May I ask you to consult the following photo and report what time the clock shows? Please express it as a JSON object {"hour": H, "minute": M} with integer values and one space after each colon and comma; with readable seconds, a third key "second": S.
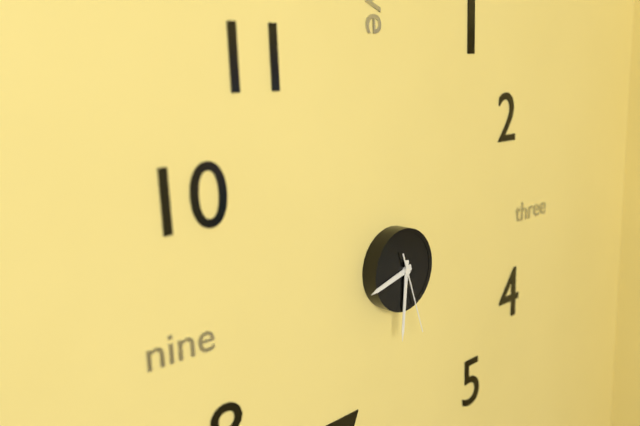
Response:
{"hour": 8, "minute": 31, "second": 27}
